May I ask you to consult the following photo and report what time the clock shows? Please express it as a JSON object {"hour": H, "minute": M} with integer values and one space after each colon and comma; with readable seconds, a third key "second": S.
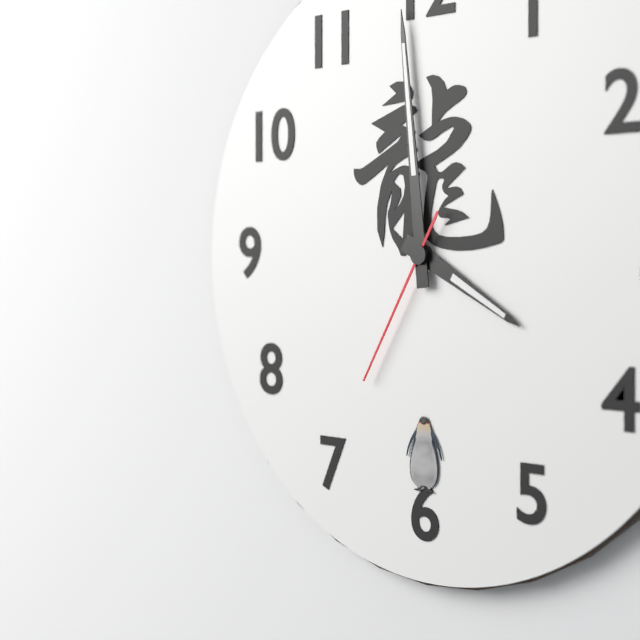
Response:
{"hour": 3, "minute": 59, "second": 35}
